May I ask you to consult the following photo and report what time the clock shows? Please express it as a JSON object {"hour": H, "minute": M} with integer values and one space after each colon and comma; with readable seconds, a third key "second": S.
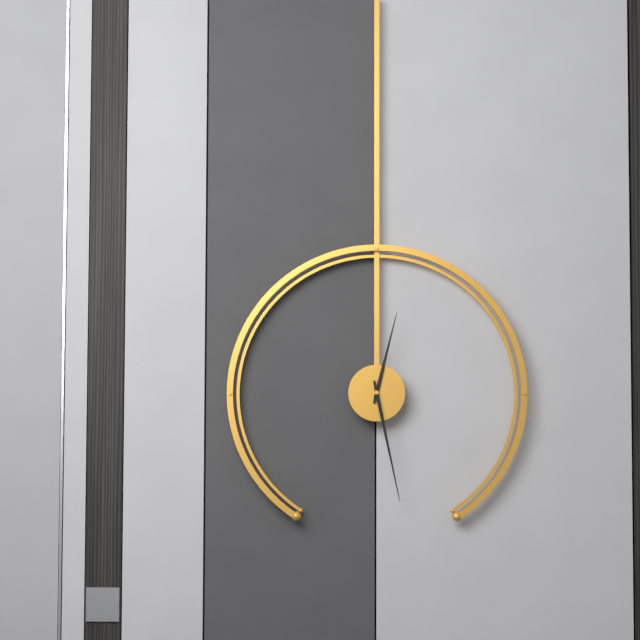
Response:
{"hour": 12, "minute": 28}
